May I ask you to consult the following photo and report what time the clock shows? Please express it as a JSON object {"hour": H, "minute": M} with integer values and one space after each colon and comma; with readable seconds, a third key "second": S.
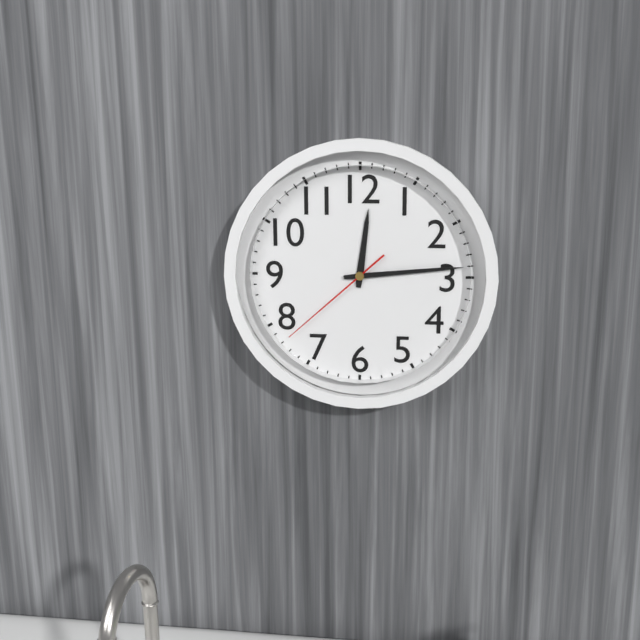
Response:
{"hour": 12, "minute": 14, "second": 38}
